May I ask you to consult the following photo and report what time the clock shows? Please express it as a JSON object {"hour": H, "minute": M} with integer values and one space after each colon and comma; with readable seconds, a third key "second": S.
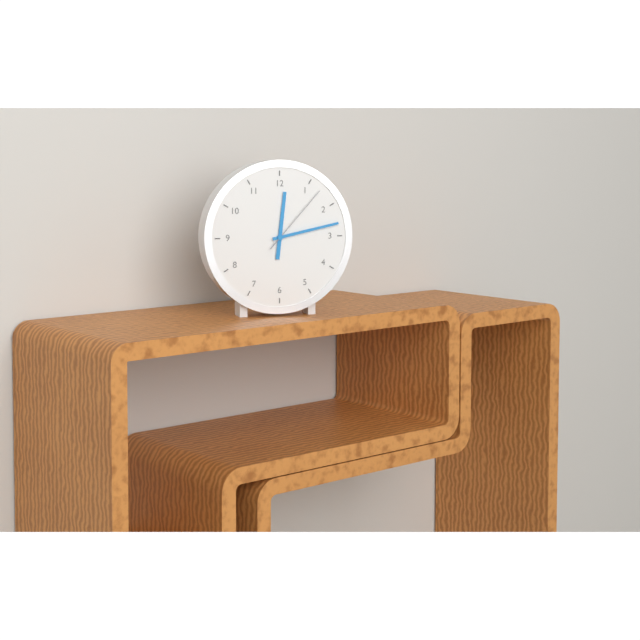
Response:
{"hour": 12, "minute": 13, "second": 7}
